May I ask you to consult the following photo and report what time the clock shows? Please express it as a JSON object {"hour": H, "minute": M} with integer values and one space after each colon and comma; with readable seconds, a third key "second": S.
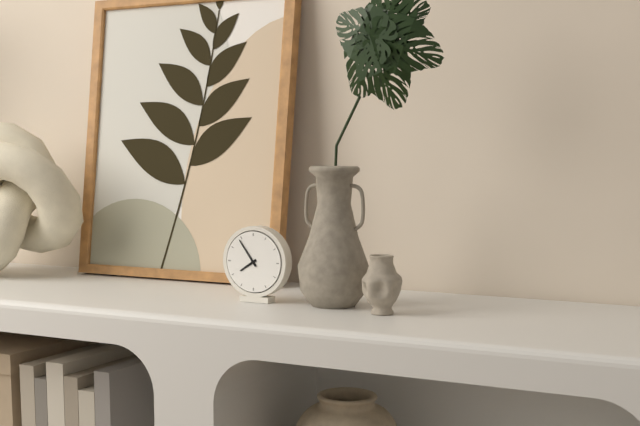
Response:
{"hour": 7, "minute": 54}
